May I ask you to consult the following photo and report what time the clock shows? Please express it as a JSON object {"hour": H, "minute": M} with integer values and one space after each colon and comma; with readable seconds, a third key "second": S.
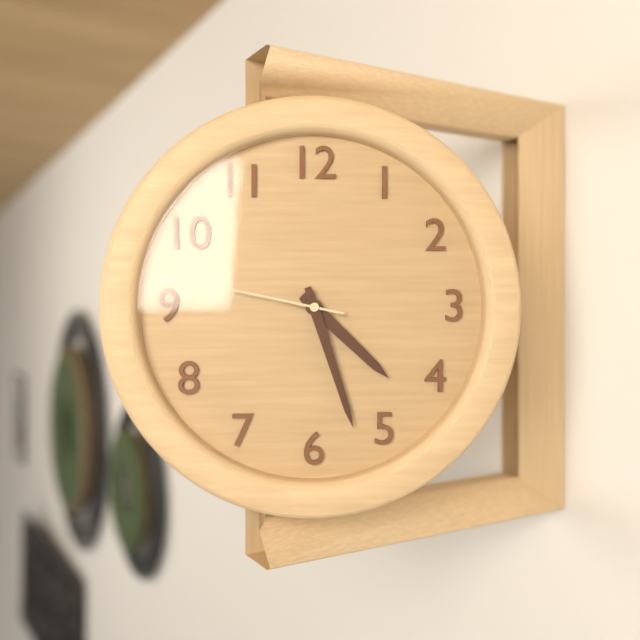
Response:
{"hour": 4, "minute": 27, "second": 47}
